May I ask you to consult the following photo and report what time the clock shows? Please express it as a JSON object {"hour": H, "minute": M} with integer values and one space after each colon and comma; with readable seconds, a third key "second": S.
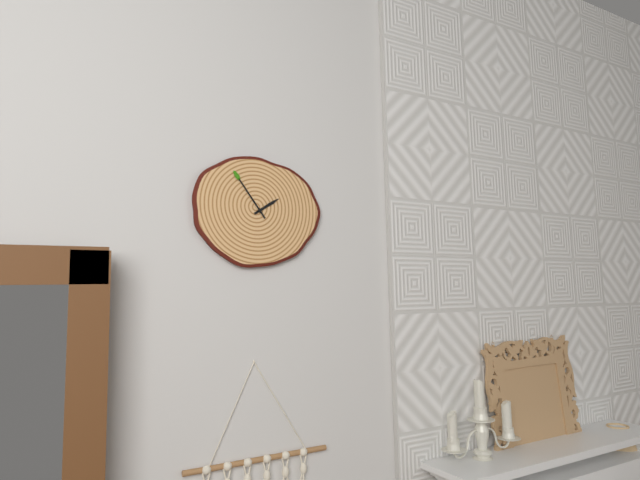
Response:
{"hour": 1, "minute": 54}
